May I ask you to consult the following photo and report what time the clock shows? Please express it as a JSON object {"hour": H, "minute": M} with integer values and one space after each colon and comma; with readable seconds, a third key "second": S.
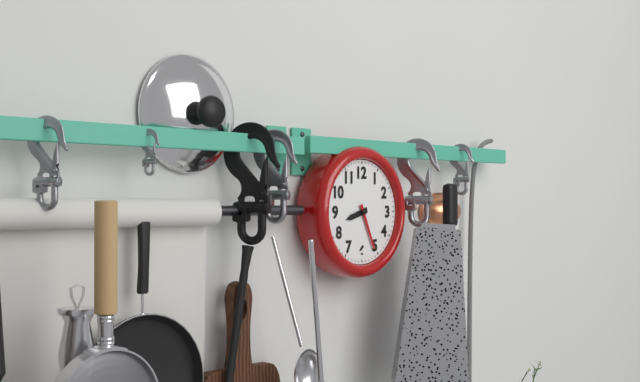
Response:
{"hour": 8, "minute": 26}
